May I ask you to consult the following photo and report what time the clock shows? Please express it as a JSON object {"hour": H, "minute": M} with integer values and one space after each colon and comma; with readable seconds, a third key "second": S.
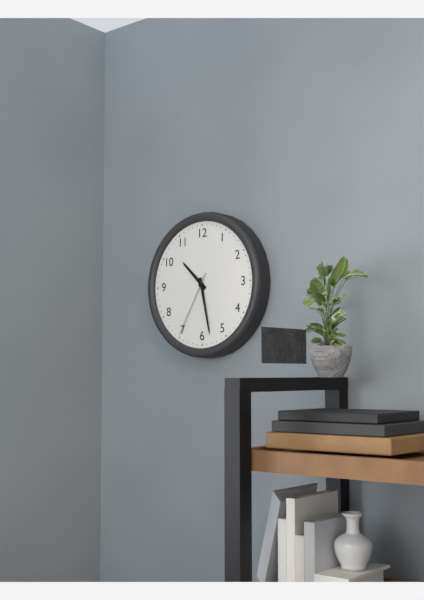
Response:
{"hour": 10, "minute": 28, "second": 35}
